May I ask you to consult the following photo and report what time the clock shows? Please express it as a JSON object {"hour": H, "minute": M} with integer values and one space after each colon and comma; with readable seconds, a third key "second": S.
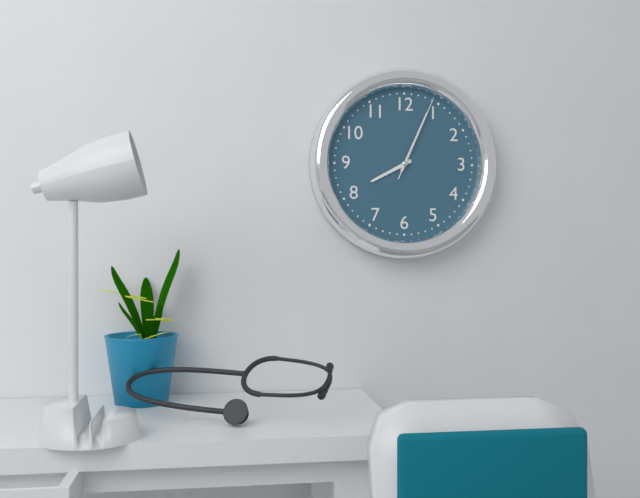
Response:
{"hour": 8, "minute": 4, "second": 4}
